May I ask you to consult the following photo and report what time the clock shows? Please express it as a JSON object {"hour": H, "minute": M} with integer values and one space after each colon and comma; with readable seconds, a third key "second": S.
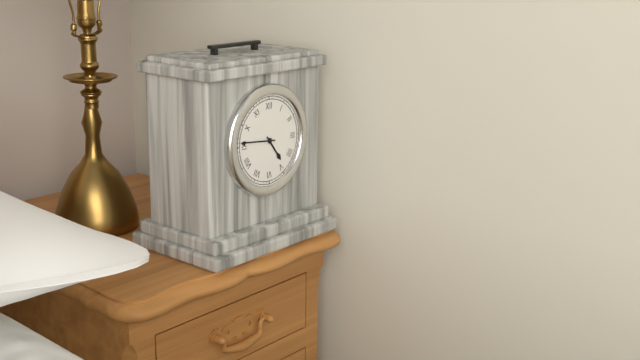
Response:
{"hour": 4, "minute": 46}
